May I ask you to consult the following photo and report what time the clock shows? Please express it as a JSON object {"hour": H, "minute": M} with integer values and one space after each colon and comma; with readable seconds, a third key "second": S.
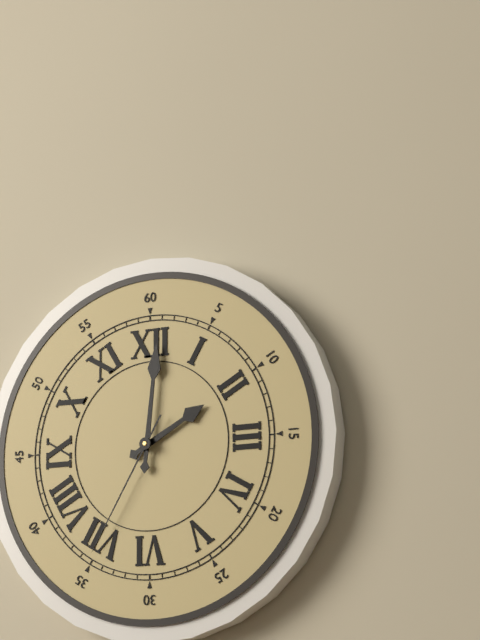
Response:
{"hour": 2, "minute": 1, "second": 35}
